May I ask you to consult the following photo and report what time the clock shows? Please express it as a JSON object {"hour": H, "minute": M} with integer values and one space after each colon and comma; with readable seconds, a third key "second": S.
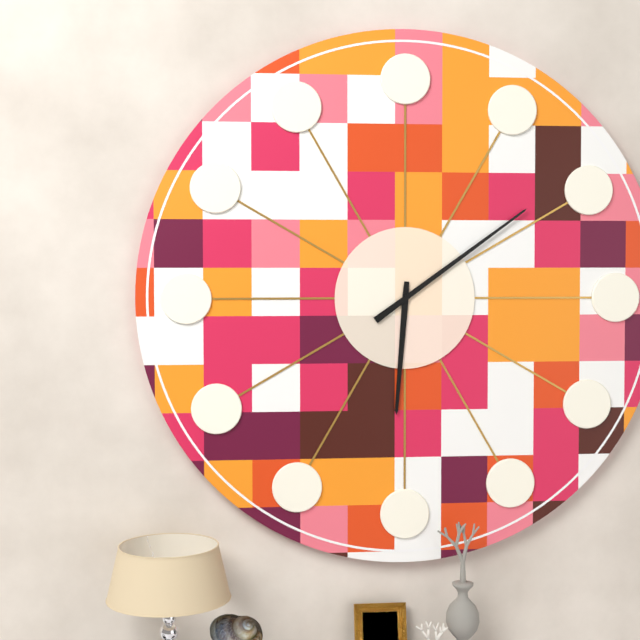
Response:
{"hour": 6, "minute": 9}
